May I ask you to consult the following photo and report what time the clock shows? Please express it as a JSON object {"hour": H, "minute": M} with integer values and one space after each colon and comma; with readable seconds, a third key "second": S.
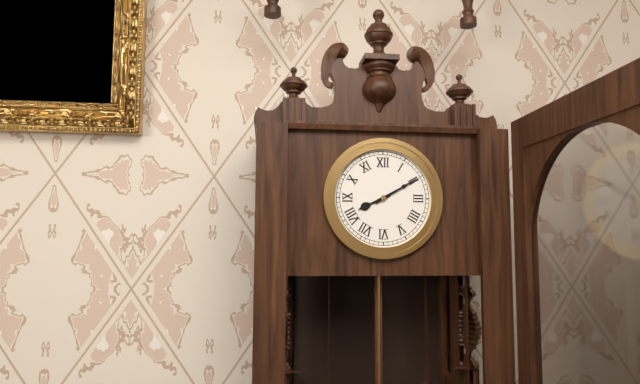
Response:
{"hour": 8, "minute": 10}
